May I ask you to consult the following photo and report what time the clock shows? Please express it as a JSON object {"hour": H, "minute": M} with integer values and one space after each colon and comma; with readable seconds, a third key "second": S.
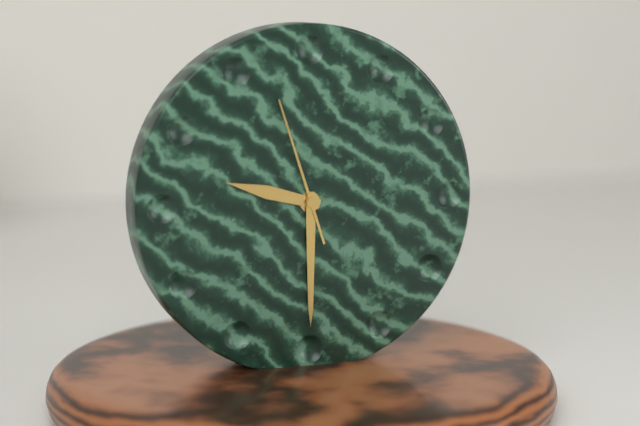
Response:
{"hour": 9, "minute": 30, "second": 57}
